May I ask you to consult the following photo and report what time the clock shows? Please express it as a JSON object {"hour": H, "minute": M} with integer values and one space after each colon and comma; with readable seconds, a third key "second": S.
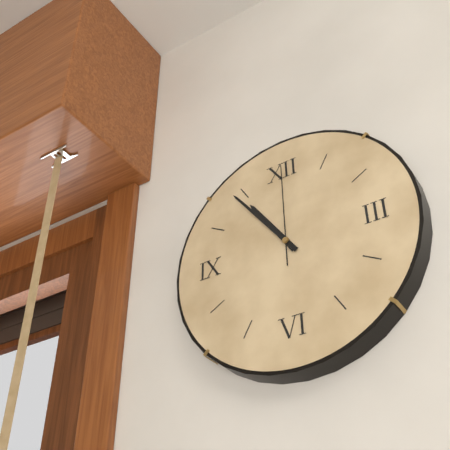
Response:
{"hour": 10, "minute": 54, "second": 0}
